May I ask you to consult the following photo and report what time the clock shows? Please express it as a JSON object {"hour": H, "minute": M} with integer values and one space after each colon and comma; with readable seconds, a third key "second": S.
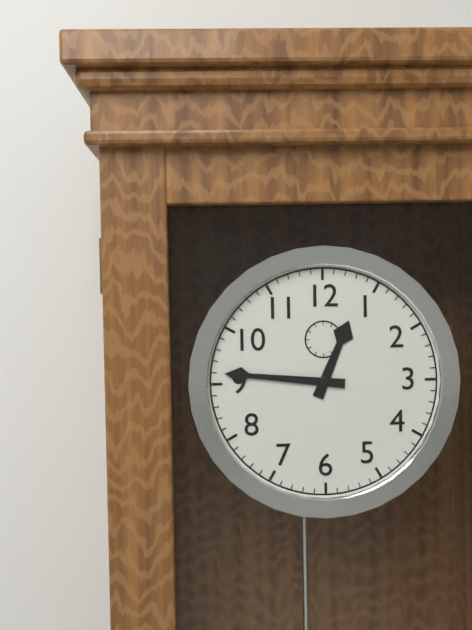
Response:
{"hour": 12, "minute": 46}
